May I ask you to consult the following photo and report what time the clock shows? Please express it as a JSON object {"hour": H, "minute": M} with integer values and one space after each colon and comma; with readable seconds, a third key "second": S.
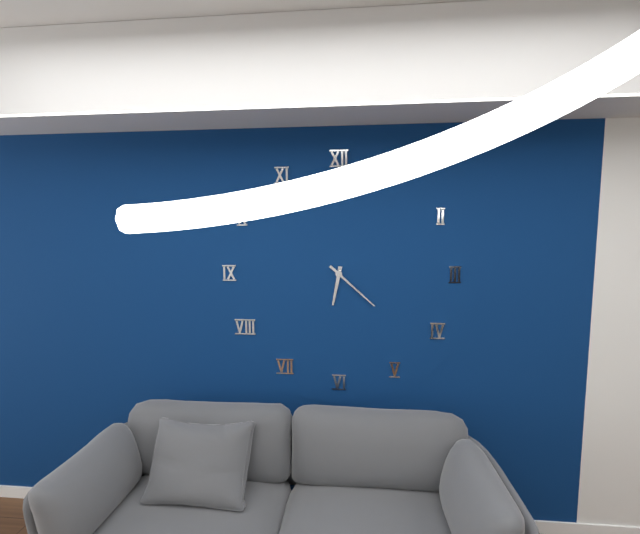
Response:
{"hour": 6, "minute": 22}
